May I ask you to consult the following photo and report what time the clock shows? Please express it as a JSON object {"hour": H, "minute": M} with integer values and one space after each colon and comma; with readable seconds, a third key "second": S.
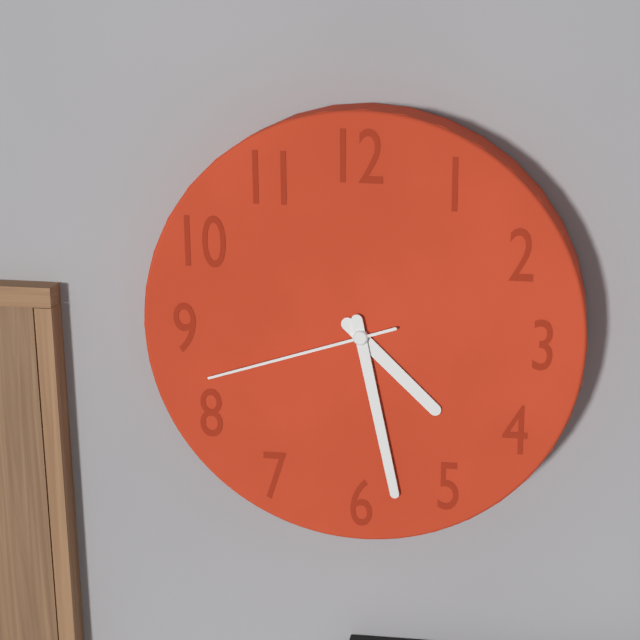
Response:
{"hour": 4, "minute": 28, "second": 42}
